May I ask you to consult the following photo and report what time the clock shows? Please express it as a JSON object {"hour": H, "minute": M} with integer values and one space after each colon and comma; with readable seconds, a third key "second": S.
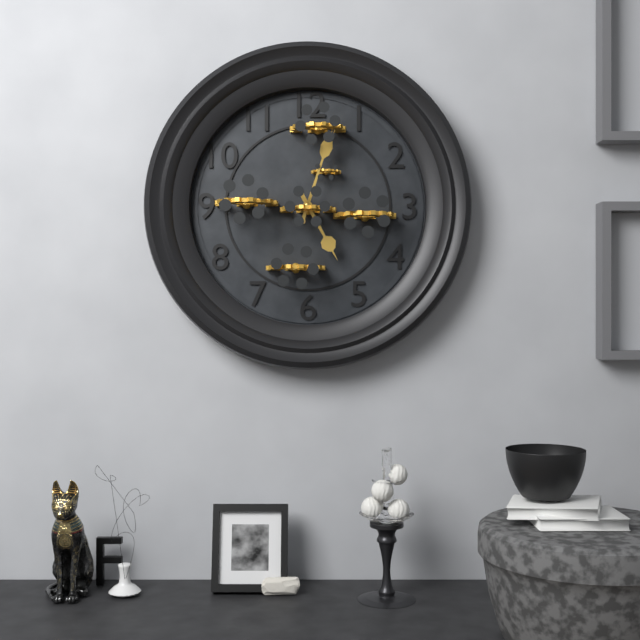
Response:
{"hour": 5, "minute": 3}
